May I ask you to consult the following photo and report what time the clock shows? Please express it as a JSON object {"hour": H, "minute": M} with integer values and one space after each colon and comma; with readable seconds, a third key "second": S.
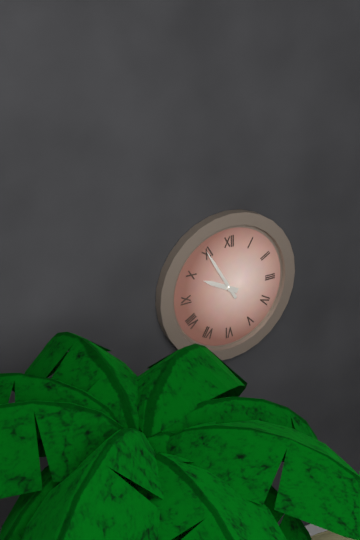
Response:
{"hour": 9, "minute": 55}
